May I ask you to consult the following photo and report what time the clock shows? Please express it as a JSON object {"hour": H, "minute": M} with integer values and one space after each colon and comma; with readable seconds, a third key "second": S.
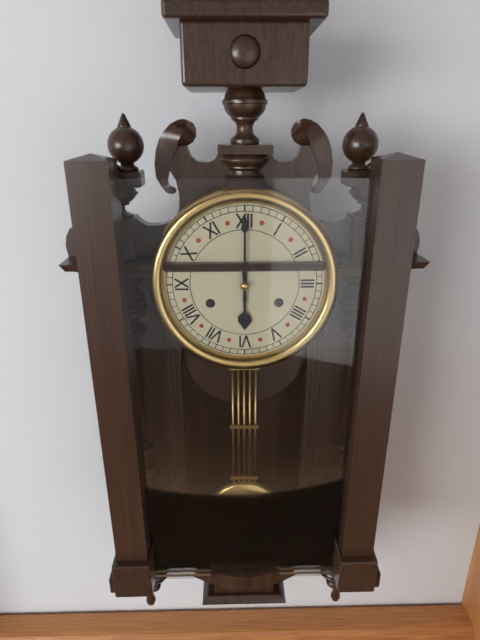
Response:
{"hour": 6, "minute": 0}
